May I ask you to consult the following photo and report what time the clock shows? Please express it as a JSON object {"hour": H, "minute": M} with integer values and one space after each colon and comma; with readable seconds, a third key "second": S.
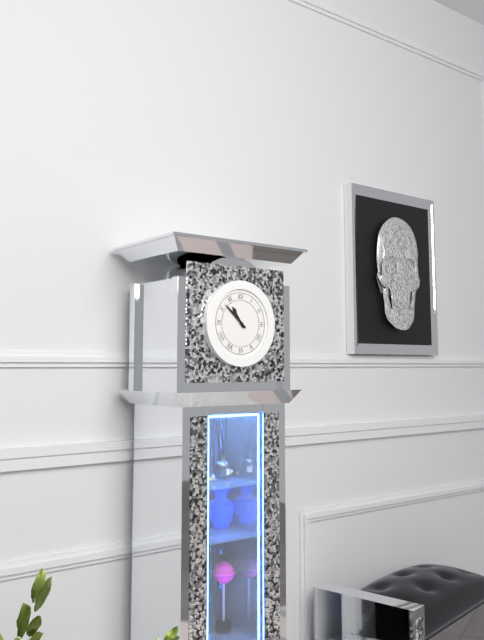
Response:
{"hour": 10, "minute": 52}
